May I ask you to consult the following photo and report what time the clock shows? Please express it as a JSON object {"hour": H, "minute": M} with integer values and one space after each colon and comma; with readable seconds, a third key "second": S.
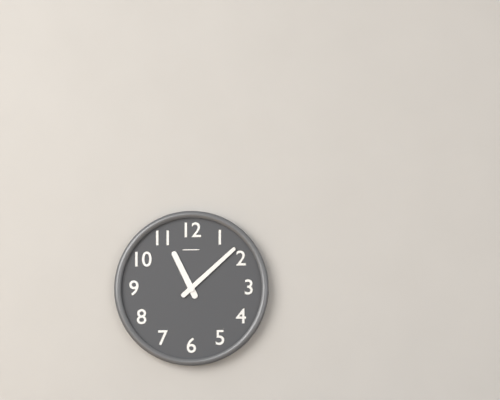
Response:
{"hour": 11, "minute": 8}
